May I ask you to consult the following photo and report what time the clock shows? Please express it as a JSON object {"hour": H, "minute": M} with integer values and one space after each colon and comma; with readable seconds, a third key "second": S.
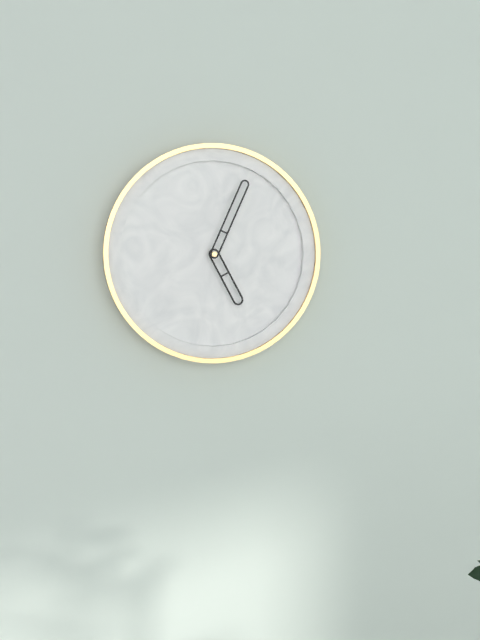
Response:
{"hour": 5, "minute": 4}
